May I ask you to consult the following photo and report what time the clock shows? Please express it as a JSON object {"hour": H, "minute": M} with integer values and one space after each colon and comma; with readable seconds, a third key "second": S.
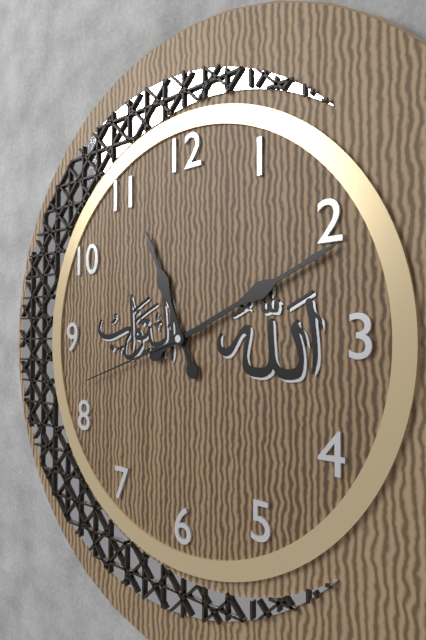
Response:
{"hour": 11, "minute": 11, "second": 42}
